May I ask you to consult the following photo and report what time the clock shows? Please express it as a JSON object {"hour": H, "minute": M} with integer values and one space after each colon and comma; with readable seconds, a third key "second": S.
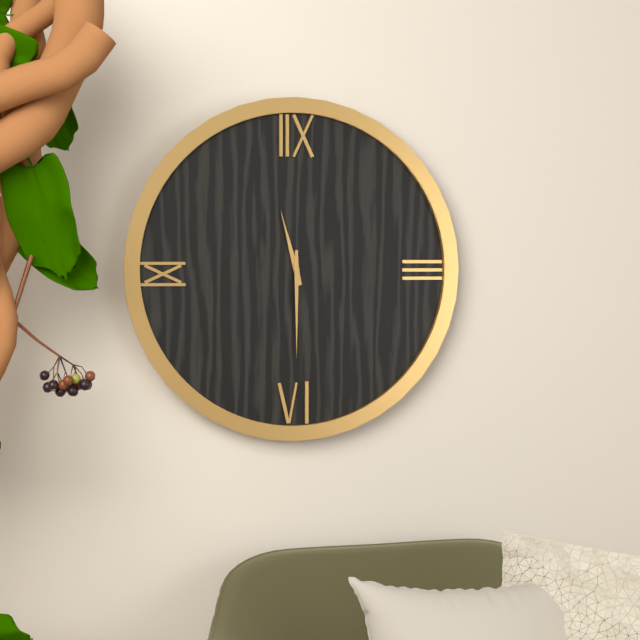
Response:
{"hour": 11, "minute": 30}
